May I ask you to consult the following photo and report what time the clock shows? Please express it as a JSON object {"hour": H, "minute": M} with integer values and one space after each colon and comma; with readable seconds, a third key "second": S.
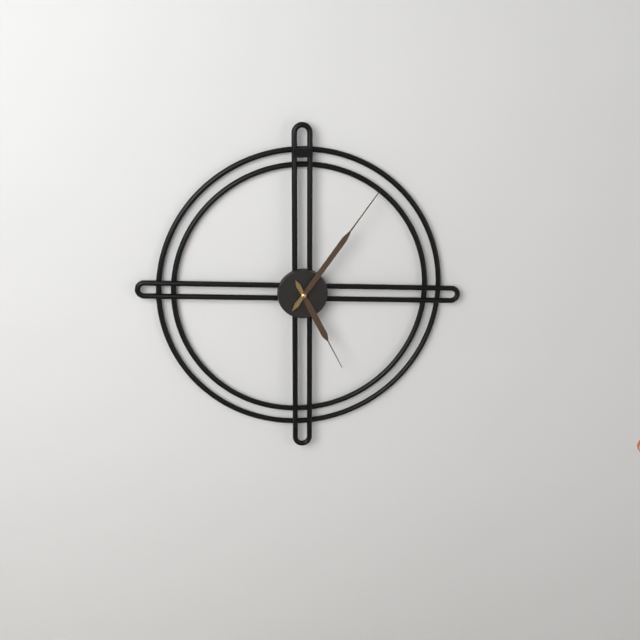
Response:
{"hour": 5, "minute": 6}
